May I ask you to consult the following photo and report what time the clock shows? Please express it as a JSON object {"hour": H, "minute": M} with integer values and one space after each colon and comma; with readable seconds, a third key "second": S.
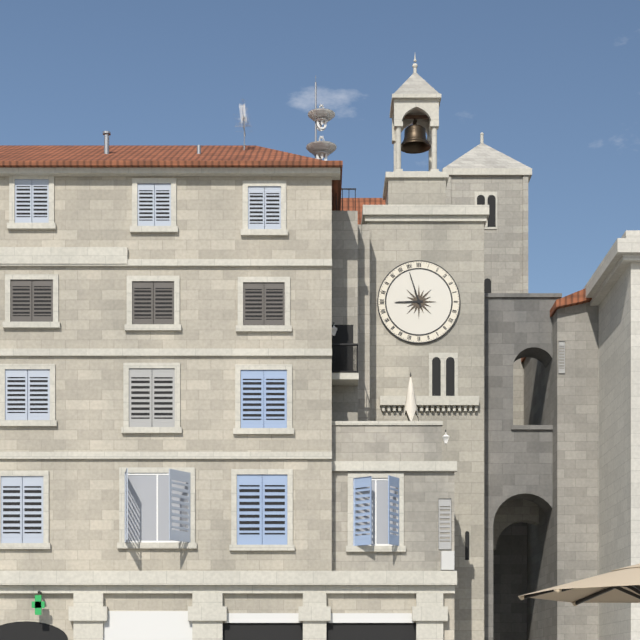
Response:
{"hour": 8, "minute": 57}
